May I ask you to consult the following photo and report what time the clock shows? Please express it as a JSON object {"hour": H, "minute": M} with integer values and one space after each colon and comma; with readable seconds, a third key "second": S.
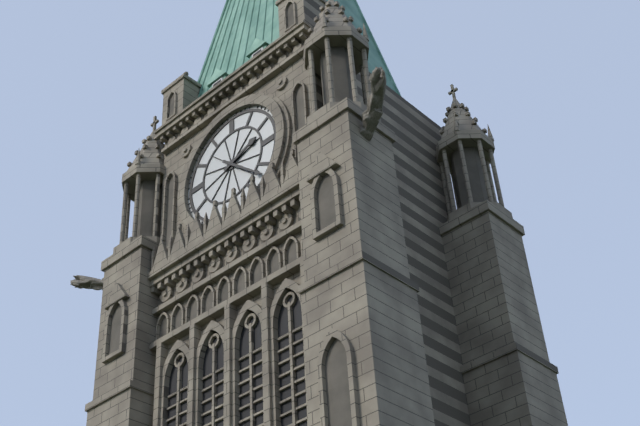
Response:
{"hour": 2, "minute": 22}
